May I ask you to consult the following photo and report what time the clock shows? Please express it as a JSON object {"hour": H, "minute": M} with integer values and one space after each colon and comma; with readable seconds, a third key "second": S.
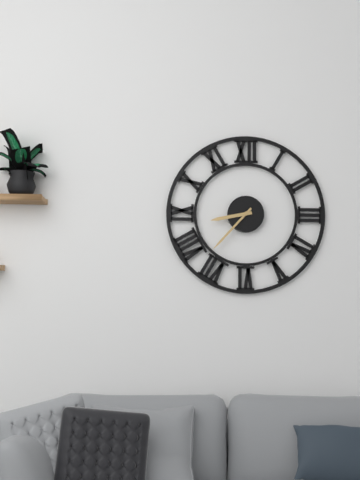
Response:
{"hour": 8, "minute": 37}
